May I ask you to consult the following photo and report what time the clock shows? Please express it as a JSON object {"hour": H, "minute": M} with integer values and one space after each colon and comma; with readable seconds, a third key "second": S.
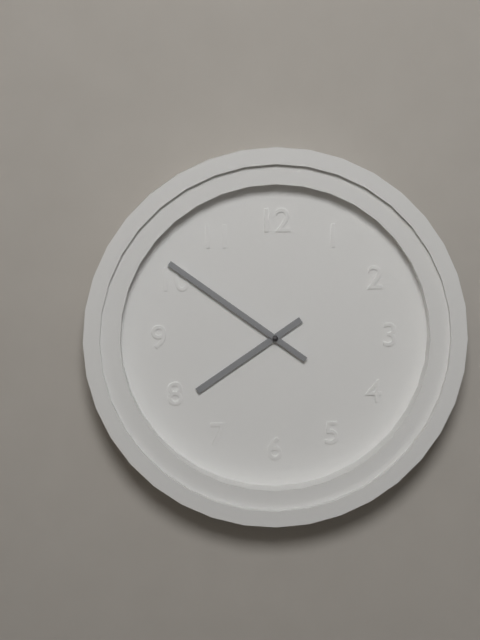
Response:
{"hour": 7, "minute": 51}
